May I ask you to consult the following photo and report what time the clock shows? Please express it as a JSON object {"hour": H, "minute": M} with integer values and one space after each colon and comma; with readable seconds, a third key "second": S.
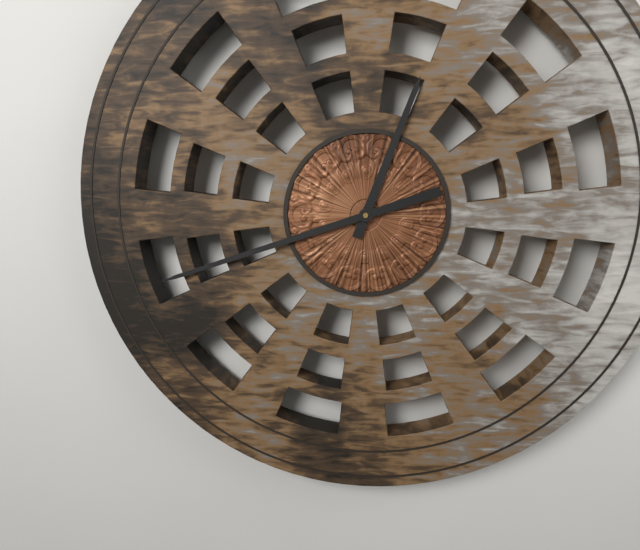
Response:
{"hour": 12, "minute": 42}
